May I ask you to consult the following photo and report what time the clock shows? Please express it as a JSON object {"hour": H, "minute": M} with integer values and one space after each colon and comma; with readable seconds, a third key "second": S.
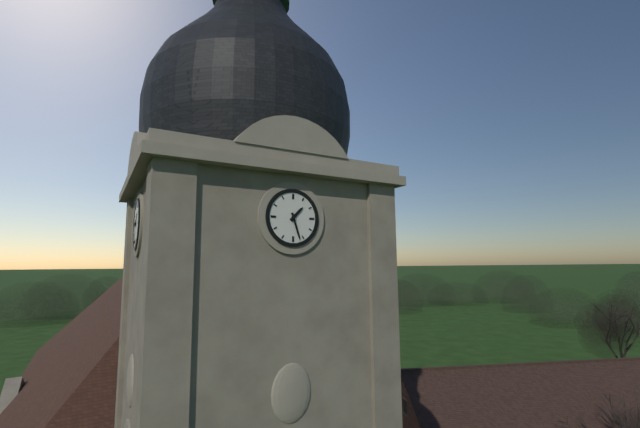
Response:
{"hour": 1, "minute": 27}
